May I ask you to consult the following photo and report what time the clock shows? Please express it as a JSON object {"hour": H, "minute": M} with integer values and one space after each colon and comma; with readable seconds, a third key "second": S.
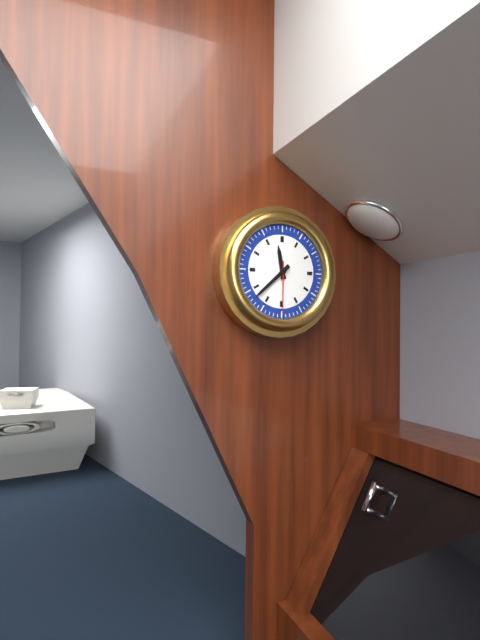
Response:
{"hour": 11, "minute": 38, "second": 30}
